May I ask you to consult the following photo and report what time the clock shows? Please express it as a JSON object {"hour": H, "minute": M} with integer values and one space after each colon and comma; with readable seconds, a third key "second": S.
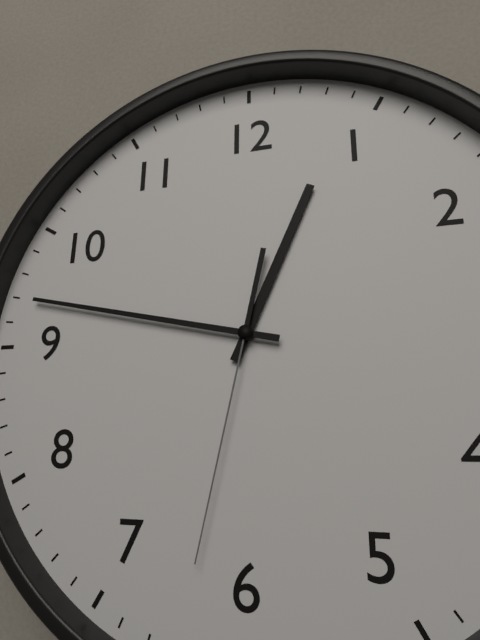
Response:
{"hour": 12, "minute": 47, "second": 32}
